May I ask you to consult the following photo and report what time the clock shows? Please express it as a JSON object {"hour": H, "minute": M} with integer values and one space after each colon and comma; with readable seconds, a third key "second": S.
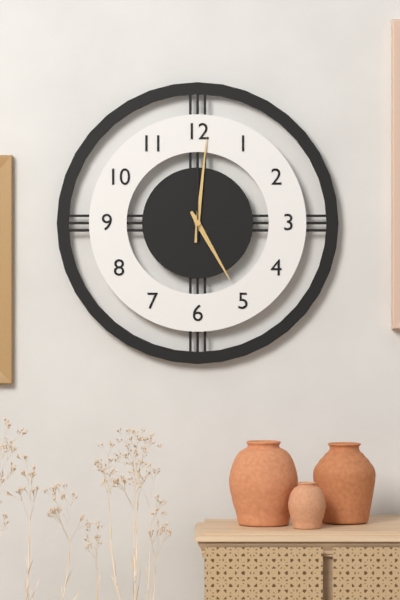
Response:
{"hour": 5, "minute": 1, "second": 0}
